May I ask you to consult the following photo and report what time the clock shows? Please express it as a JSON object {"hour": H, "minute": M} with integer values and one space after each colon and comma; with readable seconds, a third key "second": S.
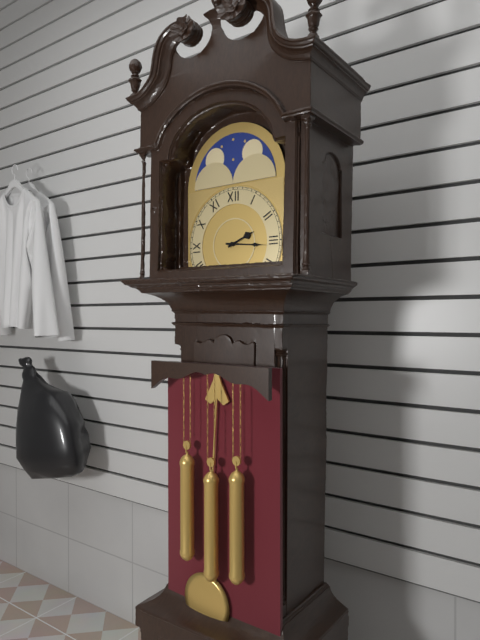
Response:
{"hour": 2, "minute": 16}
